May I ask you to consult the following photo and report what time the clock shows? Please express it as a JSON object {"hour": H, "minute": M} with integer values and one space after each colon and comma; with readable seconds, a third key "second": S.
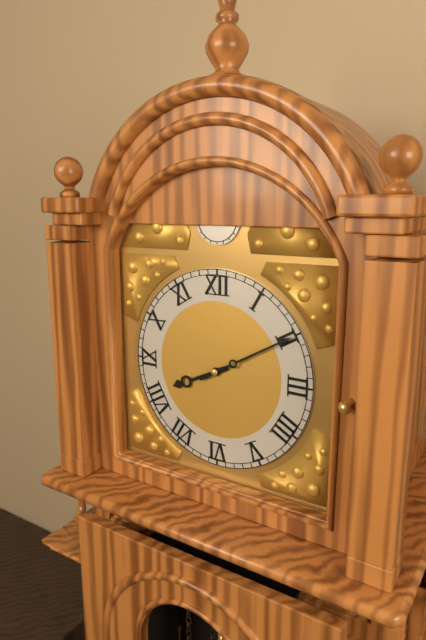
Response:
{"hour": 8, "minute": 10}
